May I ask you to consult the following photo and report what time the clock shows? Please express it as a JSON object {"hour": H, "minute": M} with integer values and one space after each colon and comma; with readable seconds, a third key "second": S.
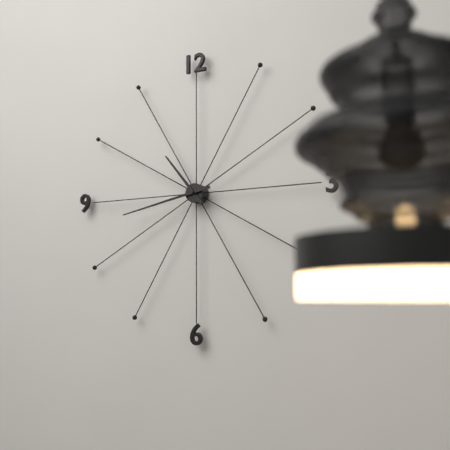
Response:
{"hour": 10, "minute": 43}
